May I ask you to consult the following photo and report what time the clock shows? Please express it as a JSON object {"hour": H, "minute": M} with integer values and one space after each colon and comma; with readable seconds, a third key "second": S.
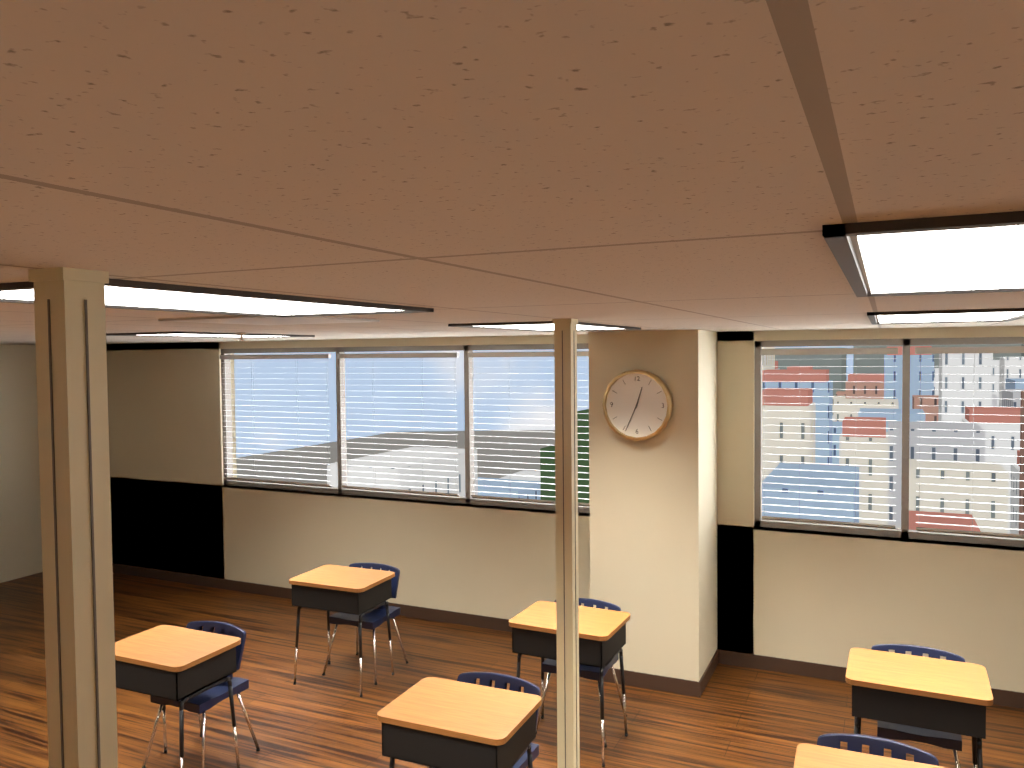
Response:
{"hour": 12, "minute": 34}
